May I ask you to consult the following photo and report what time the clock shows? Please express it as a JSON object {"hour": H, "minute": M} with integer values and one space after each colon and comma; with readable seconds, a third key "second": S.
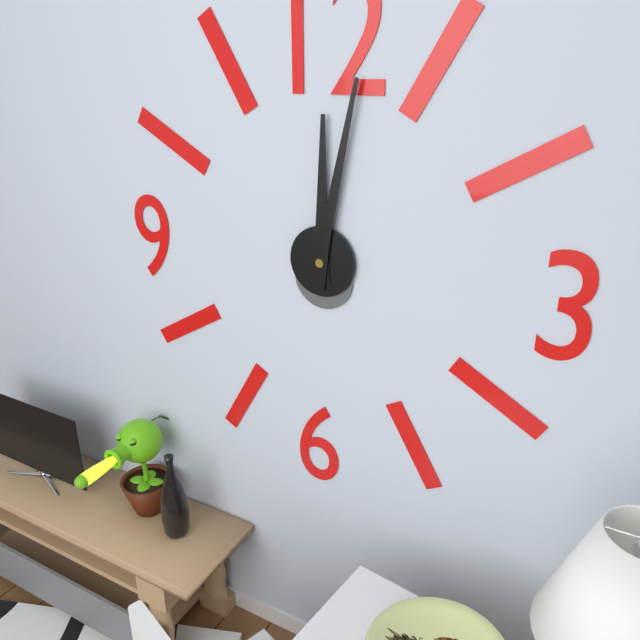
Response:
{"hour": 12, "minute": 2}
